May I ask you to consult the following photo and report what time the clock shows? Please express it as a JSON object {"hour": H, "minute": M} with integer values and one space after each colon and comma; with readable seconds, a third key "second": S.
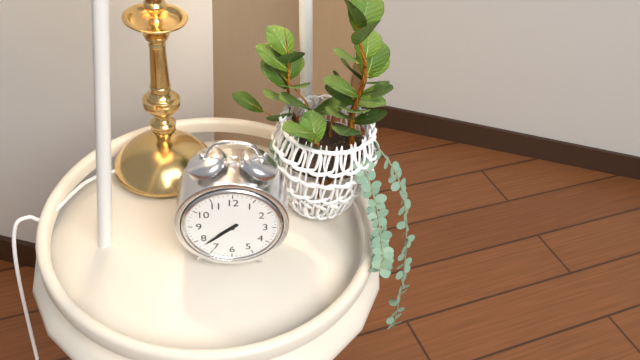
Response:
{"hour": 7, "minute": 38}
